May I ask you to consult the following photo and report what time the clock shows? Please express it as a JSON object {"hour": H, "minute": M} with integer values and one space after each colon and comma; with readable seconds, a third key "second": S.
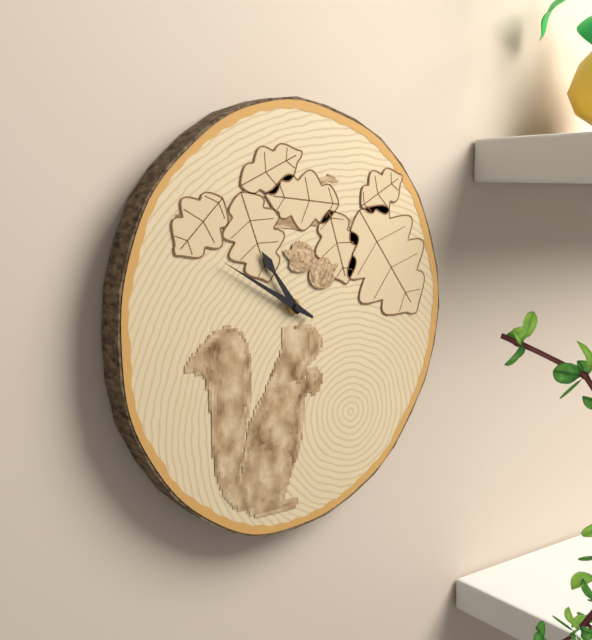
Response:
{"hour": 10, "minute": 50}
